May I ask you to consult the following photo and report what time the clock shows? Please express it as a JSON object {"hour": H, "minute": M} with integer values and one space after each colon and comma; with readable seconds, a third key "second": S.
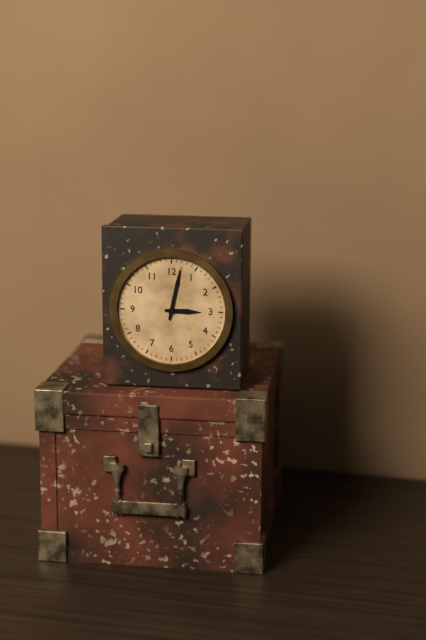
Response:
{"hour": 3, "minute": 2}
